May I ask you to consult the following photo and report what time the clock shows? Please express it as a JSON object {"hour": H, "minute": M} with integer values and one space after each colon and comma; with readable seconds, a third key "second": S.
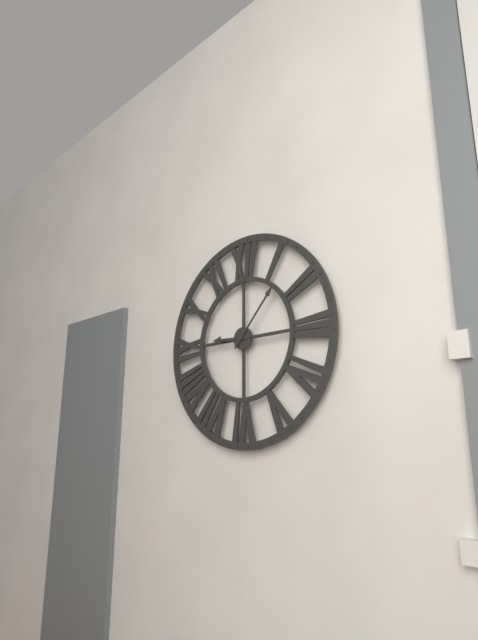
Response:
{"hour": 9, "minute": 7}
